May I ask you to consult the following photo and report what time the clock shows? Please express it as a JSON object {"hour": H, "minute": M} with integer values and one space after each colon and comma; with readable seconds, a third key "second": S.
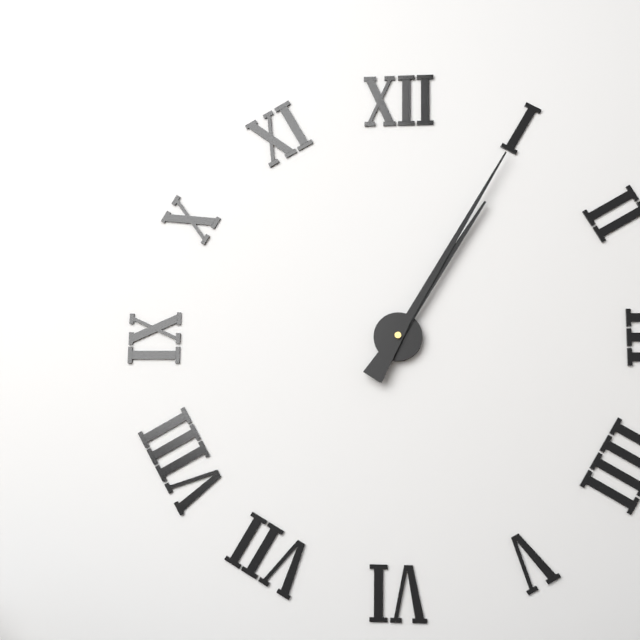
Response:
{"hour": 1, "minute": 5}
